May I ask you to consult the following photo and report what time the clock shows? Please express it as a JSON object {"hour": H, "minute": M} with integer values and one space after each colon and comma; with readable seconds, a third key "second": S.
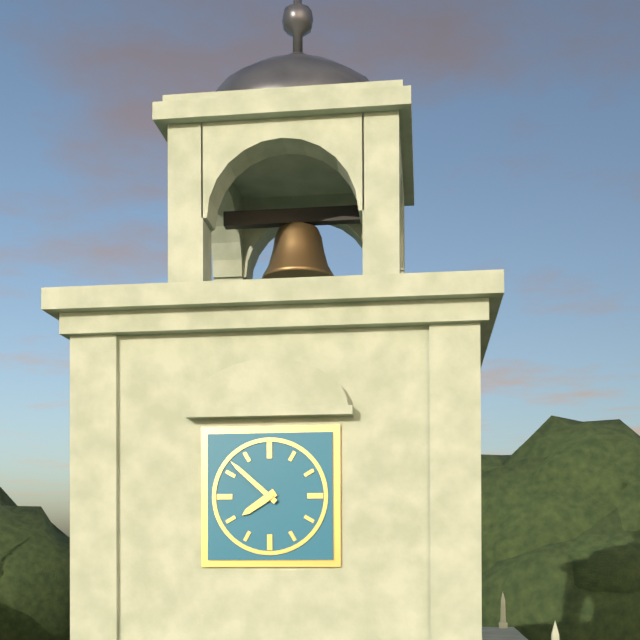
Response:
{"hour": 7, "minute": 52}
